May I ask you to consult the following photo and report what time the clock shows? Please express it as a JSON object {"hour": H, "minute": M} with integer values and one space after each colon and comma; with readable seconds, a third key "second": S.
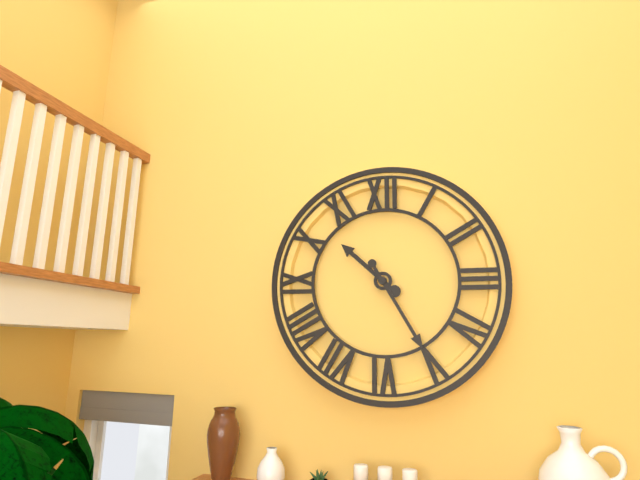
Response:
{"hour": 10, "minute": 25}
